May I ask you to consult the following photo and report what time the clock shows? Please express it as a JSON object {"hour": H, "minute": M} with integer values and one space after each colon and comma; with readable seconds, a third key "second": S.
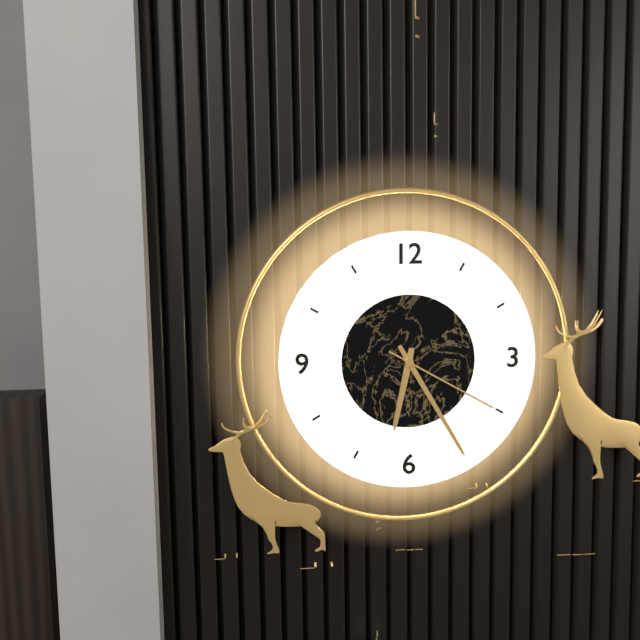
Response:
{"hour": 6, "minute": 25, "second": 20}
